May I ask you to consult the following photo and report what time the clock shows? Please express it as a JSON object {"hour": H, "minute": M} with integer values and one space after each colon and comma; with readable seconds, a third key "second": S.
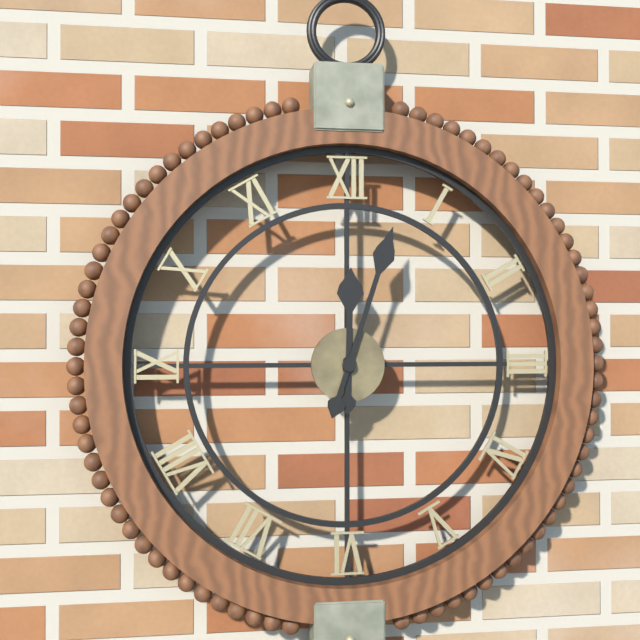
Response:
{"hour": 12, "minute": 3}
